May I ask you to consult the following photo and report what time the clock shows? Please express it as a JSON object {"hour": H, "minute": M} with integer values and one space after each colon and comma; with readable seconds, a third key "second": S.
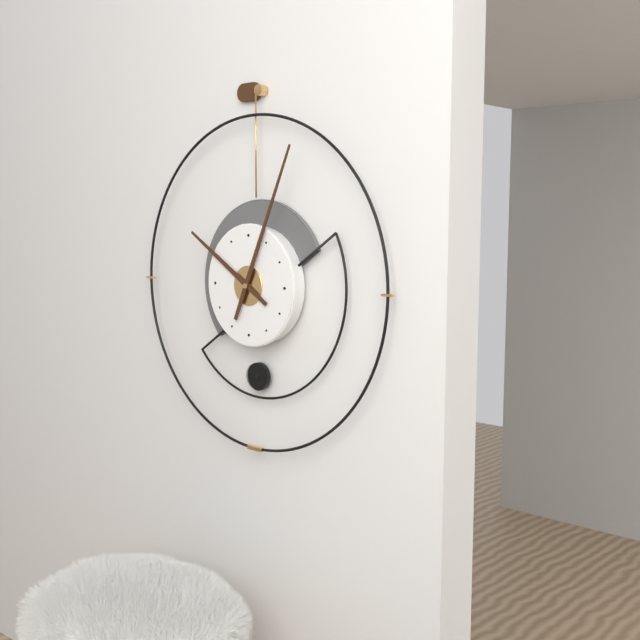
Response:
{"hour": 10, "minute": 4}
